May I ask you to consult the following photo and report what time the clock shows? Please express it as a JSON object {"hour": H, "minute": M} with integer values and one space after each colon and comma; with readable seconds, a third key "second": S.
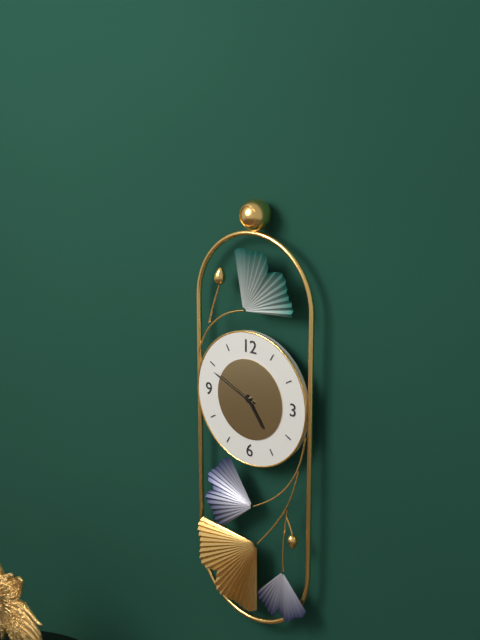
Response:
{"hour": 4, "minute": 49}
